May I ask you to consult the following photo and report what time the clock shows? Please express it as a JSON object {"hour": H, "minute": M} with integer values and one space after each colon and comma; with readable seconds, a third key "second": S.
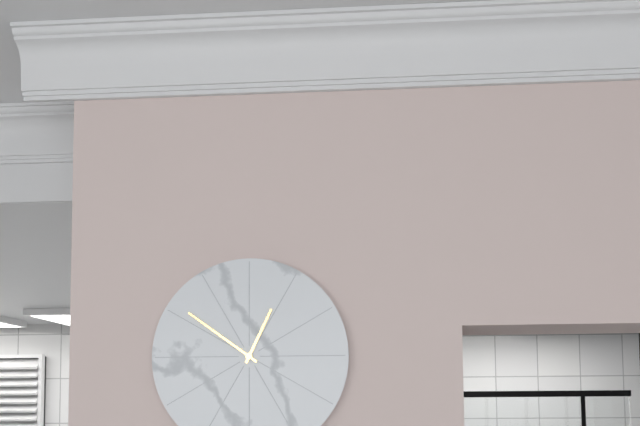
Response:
{"hour": 12, "minute": 51}
